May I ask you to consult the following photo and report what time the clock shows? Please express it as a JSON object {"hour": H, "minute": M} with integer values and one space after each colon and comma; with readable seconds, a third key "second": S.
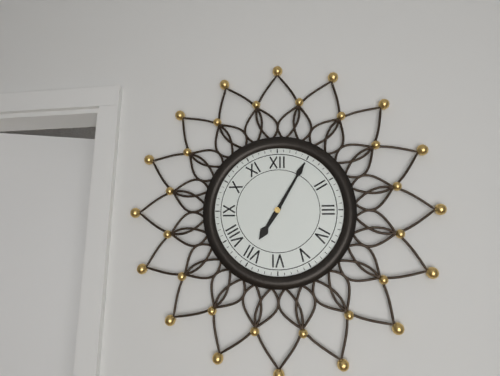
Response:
{"hour": 7, "minute": 5}
